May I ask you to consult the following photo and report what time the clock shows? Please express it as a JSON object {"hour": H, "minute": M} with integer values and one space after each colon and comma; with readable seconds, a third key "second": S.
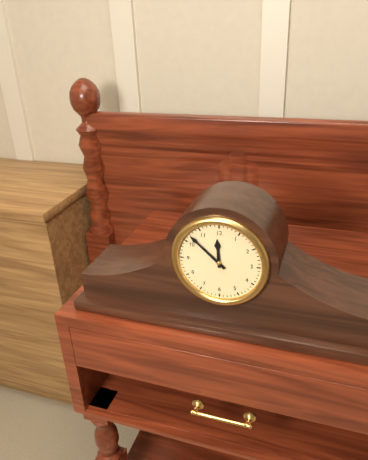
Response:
{"hour": 11, "minute": 52}
